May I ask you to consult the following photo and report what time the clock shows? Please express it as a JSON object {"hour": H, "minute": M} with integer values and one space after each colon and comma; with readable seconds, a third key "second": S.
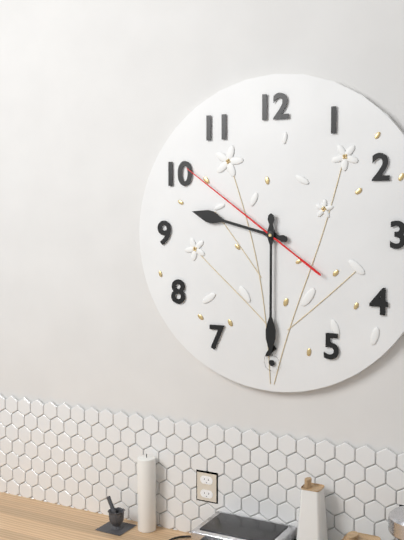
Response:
{"hour": 9, "minute": 30, "second": 51}
